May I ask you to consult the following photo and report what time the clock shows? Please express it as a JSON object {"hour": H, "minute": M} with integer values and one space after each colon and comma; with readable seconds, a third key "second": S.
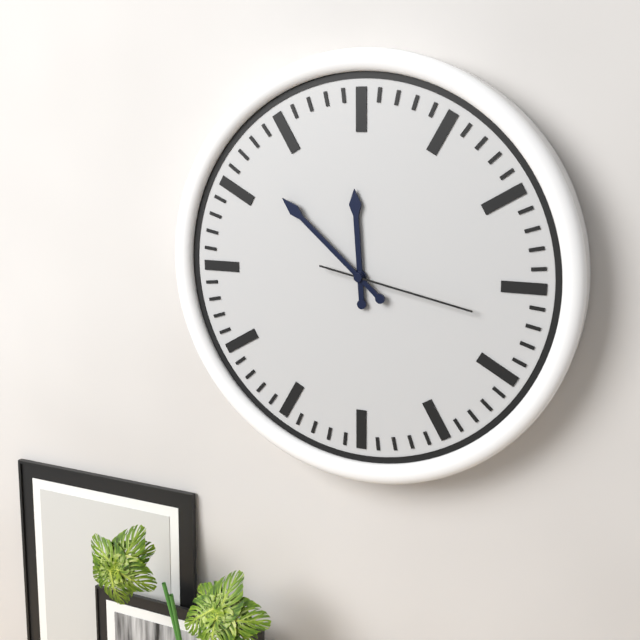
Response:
{"hour": 11, "minute": 52, "second": 17}
